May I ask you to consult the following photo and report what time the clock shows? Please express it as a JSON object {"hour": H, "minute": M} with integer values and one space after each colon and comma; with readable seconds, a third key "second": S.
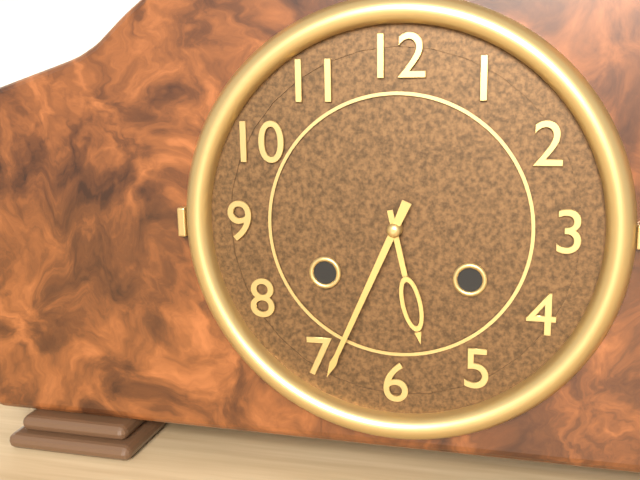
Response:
{"hour": 5, "minute": 34}
